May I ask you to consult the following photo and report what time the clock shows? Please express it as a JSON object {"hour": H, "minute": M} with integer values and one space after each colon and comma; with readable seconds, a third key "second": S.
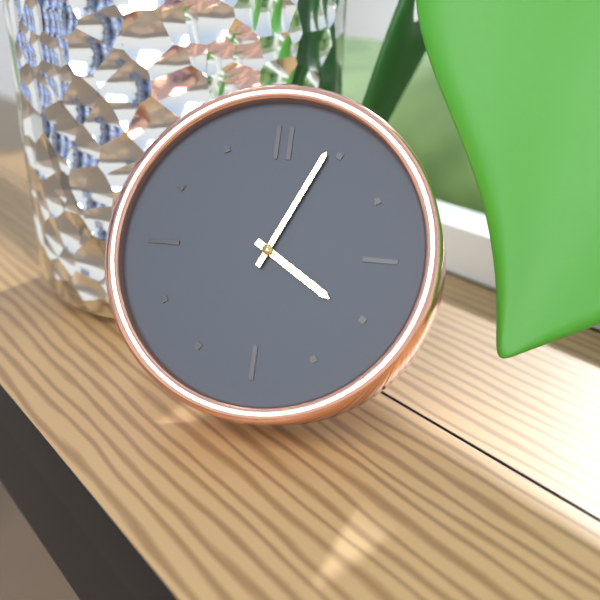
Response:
{"hour": 4, "minute": 4}
